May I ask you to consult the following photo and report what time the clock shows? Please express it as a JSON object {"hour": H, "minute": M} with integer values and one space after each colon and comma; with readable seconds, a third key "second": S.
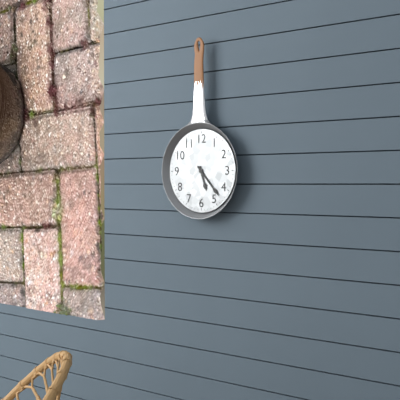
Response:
{"hour": 5, "minute": 23}
